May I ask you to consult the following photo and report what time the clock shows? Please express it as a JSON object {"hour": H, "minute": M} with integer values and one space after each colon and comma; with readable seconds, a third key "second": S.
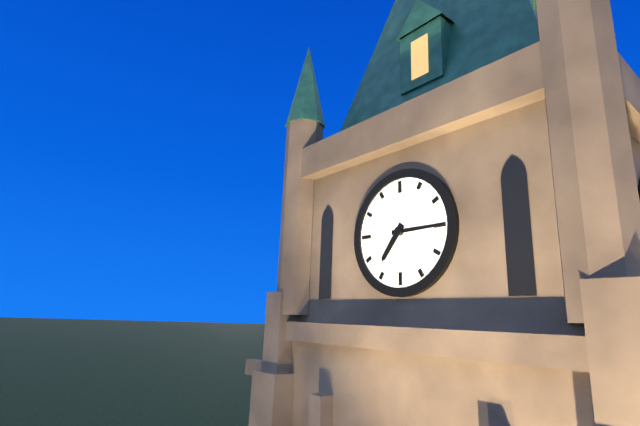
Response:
{"hour": 7, "minute": 15}
